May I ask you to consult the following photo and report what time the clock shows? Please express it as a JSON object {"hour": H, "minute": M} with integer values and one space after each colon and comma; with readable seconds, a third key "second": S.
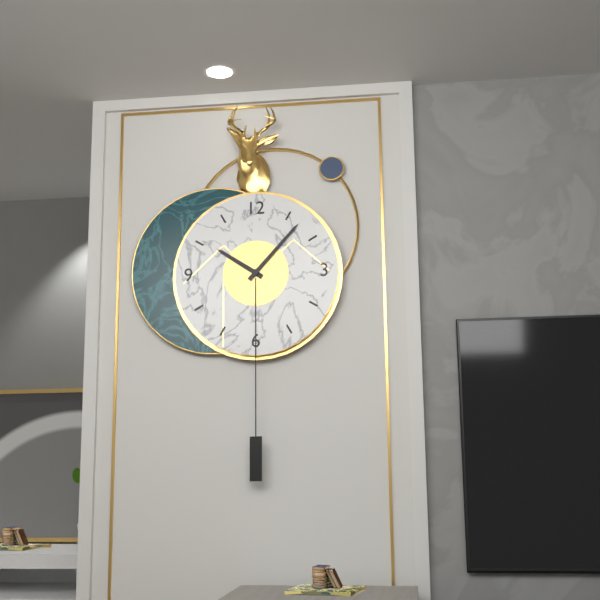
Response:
{"hour": 10, "minute": 7}
